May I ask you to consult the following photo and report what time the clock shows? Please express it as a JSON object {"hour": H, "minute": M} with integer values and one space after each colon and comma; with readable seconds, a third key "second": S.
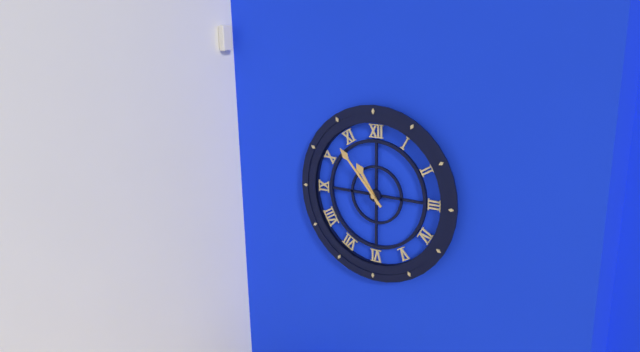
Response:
{"hour": 10, "minute": 53}
